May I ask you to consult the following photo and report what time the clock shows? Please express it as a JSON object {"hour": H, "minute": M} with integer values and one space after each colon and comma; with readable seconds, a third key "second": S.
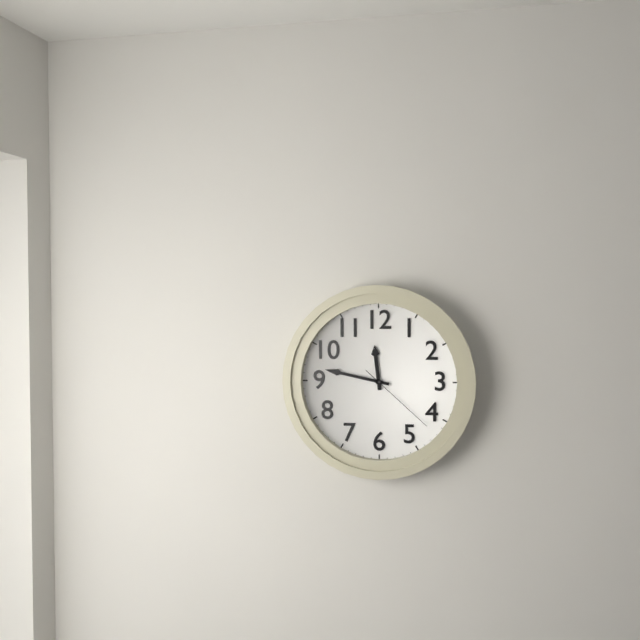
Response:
{"hour": 11, "minute": 47, "second": 22}
